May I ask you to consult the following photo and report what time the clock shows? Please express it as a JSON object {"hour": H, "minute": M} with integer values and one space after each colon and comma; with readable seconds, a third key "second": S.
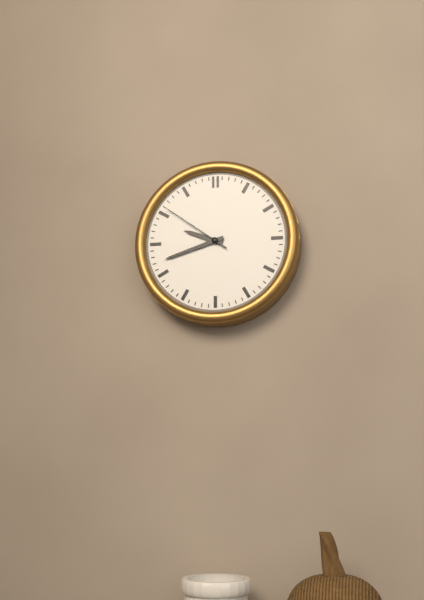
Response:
{"hour": 9, "minute": 42, "second": 51}
